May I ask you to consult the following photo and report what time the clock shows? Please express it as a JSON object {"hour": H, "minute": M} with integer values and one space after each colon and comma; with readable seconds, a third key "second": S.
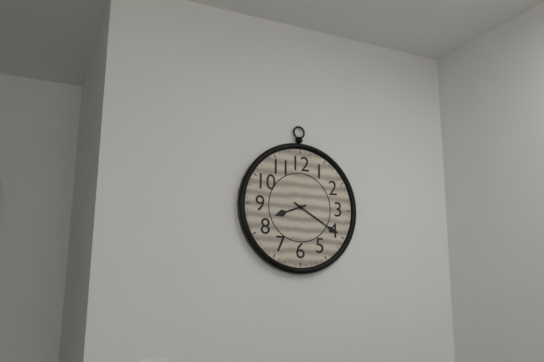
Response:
{"hour": 8, "minute": 20}
